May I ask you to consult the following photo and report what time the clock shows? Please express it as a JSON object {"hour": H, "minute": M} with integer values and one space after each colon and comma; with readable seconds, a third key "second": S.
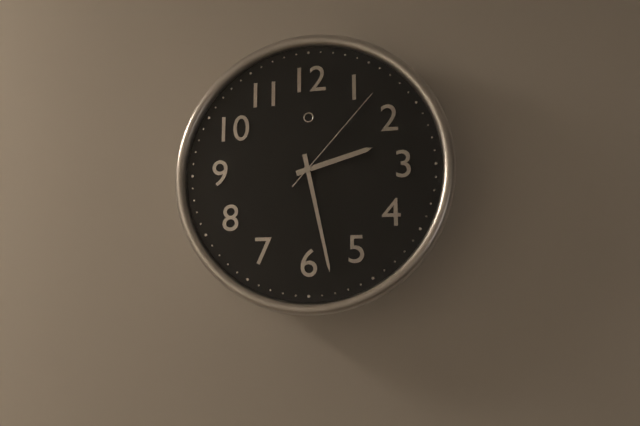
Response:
{"hour": 2, "minute": 28, "second": 7}
